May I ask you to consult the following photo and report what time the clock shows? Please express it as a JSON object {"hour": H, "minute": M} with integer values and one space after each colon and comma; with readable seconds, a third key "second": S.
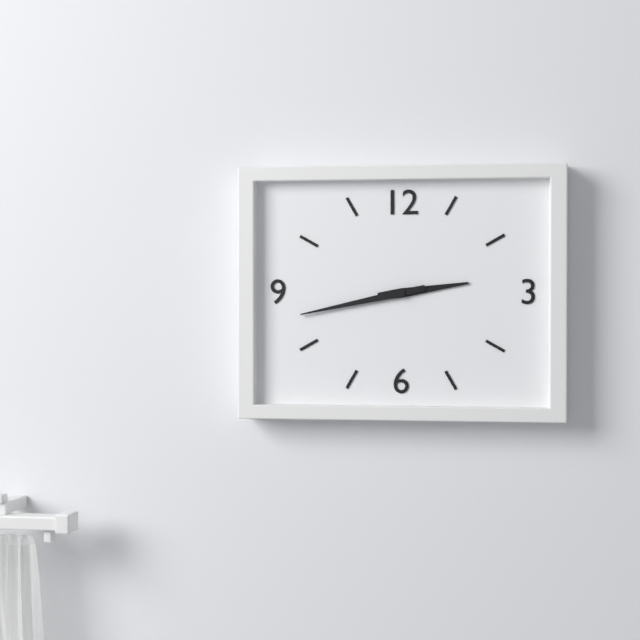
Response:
{"hour": 2, "minute": 43}
